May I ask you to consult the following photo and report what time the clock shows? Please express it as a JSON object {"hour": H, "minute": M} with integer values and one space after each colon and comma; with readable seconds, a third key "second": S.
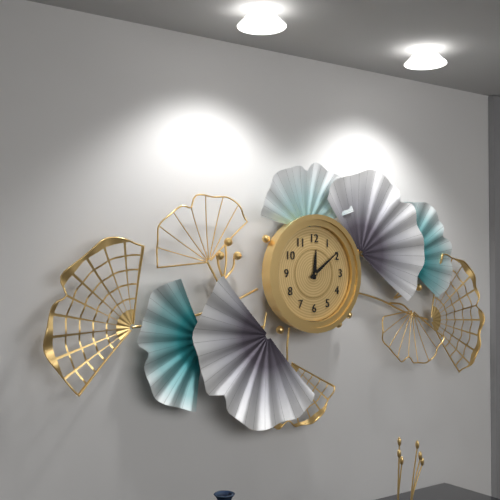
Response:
{"hour": 12, "minute": 9}
